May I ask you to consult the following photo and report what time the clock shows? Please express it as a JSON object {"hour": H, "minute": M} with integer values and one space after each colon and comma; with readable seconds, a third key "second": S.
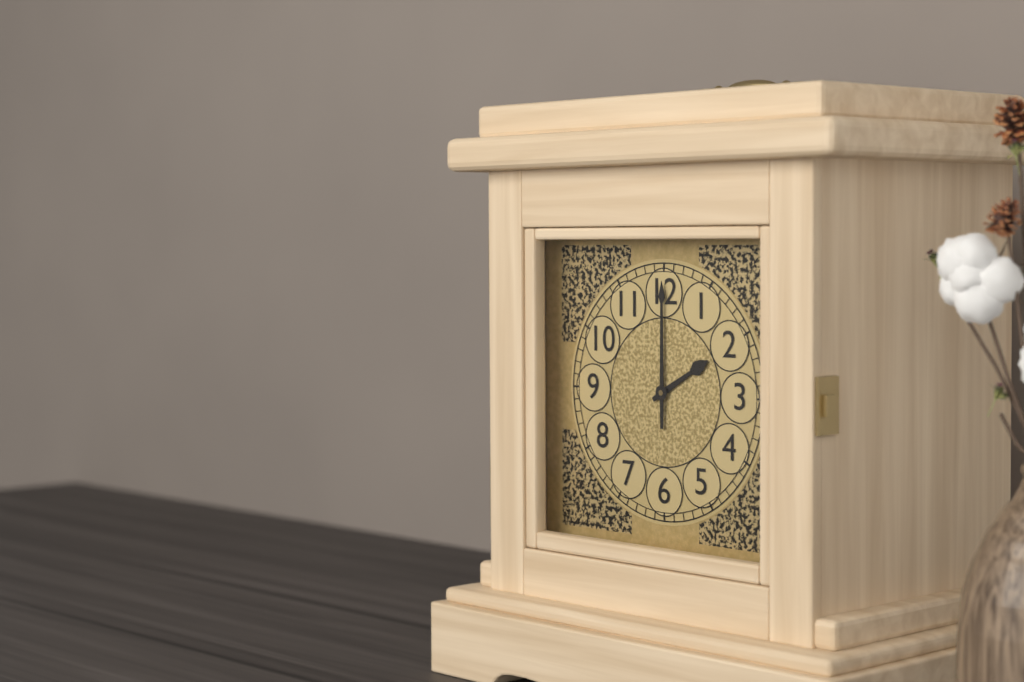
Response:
{"hour": 2, "minute": 0}
